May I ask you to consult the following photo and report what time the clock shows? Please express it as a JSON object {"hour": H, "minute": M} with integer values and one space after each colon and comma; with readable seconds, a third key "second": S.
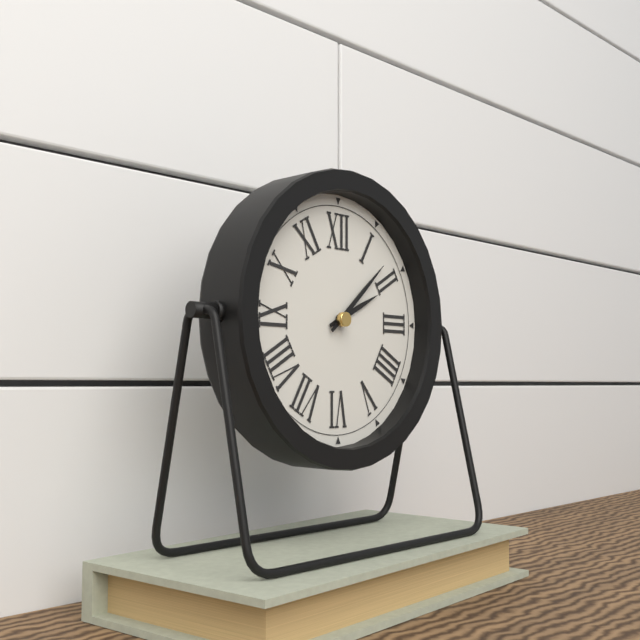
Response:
{"hour": 2, "minute": 8}
